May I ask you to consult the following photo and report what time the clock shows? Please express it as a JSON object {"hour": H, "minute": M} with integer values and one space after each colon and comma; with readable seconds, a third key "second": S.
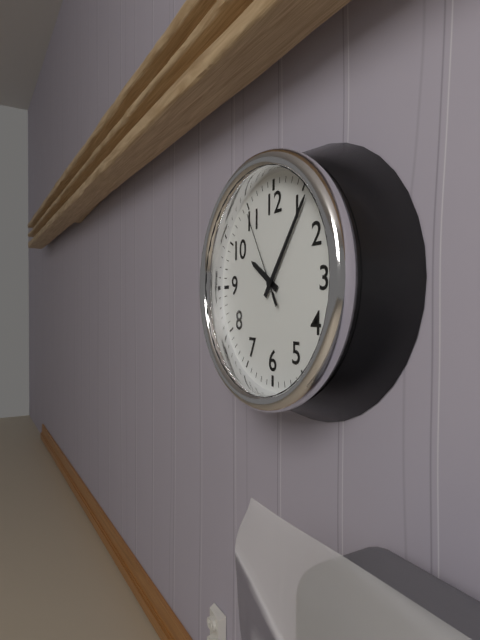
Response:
{"hour": 10, "minute": 6, "second": 55}
